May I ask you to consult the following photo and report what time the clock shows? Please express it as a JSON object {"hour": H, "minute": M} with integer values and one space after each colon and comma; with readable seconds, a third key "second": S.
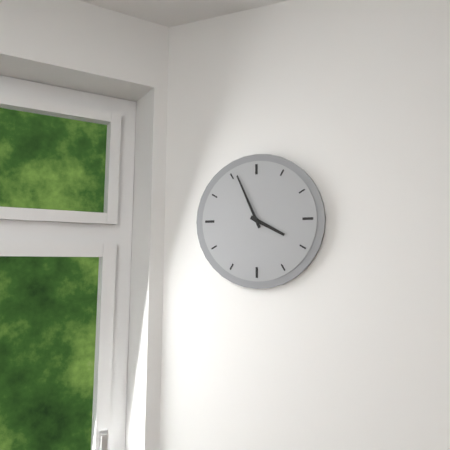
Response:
{"hour": 3, "minute": 56}
